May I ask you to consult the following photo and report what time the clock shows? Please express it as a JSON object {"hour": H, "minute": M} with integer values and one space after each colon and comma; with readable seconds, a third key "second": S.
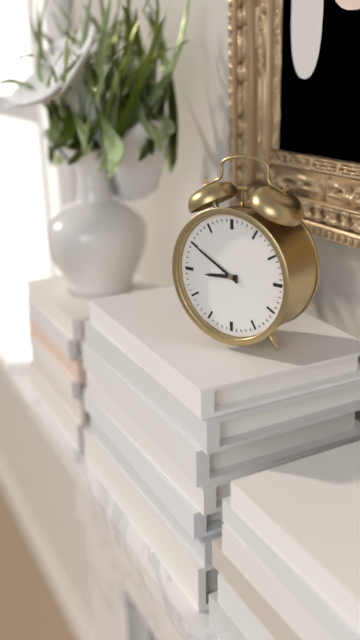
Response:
{"hour": 8, "minute": 50}
